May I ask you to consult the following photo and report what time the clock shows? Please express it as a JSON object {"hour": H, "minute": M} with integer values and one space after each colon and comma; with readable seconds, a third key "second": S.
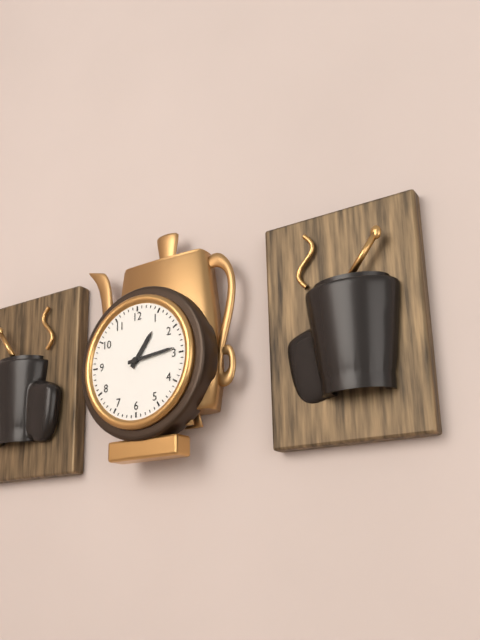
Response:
{"hour": 1, "minute": 14}
